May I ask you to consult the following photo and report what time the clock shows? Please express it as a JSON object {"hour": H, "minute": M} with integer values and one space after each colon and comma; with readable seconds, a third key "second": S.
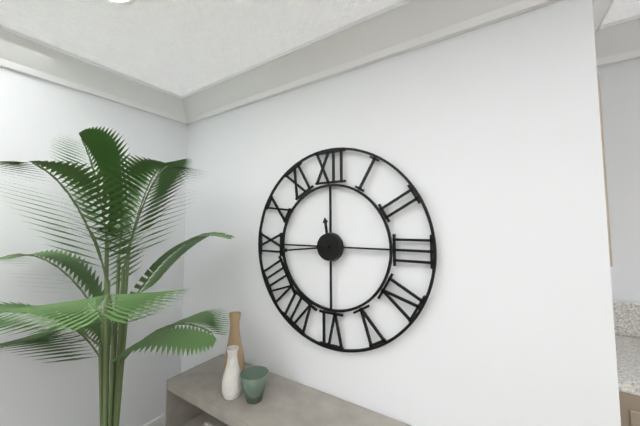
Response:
{"hour": 11, "minute": 44}
